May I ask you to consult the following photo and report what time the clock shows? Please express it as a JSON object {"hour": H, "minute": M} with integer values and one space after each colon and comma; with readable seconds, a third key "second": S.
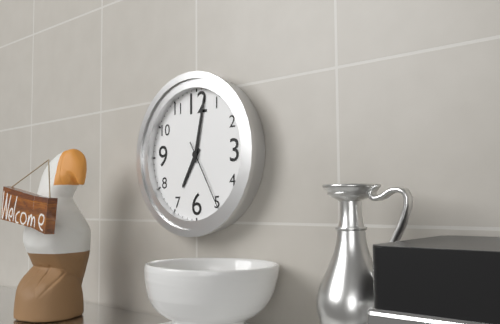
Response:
{"hour": 7, "minute": 2, "second": 25}
